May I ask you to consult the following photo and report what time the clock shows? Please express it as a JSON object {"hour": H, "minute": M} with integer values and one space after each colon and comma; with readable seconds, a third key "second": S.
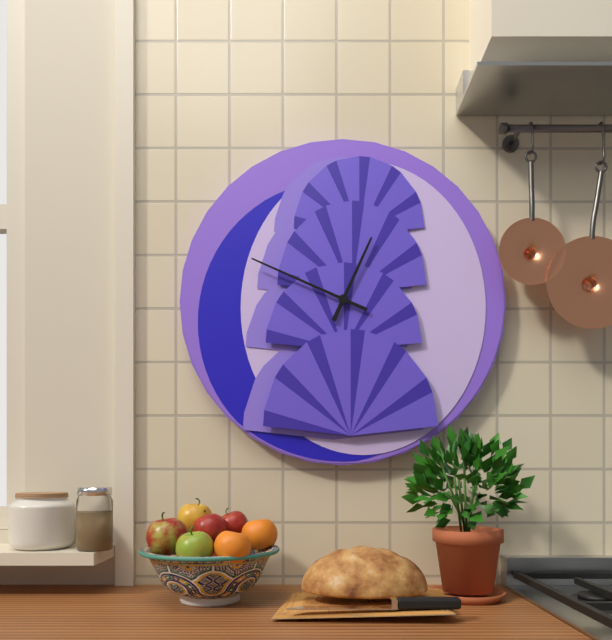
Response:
{"hour": 12, "minute": 49}
